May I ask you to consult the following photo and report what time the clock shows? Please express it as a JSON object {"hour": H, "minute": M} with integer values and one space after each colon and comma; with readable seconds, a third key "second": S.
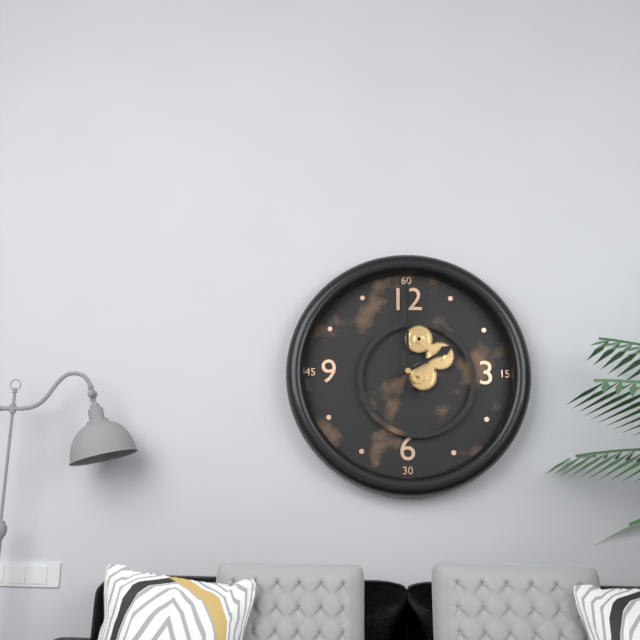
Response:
{"hour": 2, "minute": 0}
